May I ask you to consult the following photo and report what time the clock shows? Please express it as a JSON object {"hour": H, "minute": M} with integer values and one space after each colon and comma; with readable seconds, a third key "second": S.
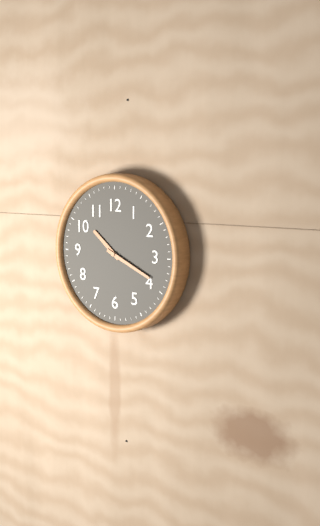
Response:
{"hour": 10, "minute": 19}
